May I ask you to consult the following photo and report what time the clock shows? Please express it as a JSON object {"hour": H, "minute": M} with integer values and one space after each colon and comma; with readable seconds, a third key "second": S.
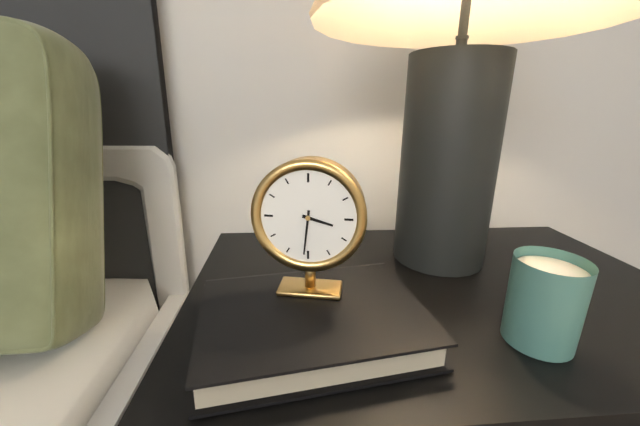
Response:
{"hour": 3, "minute": 31}
